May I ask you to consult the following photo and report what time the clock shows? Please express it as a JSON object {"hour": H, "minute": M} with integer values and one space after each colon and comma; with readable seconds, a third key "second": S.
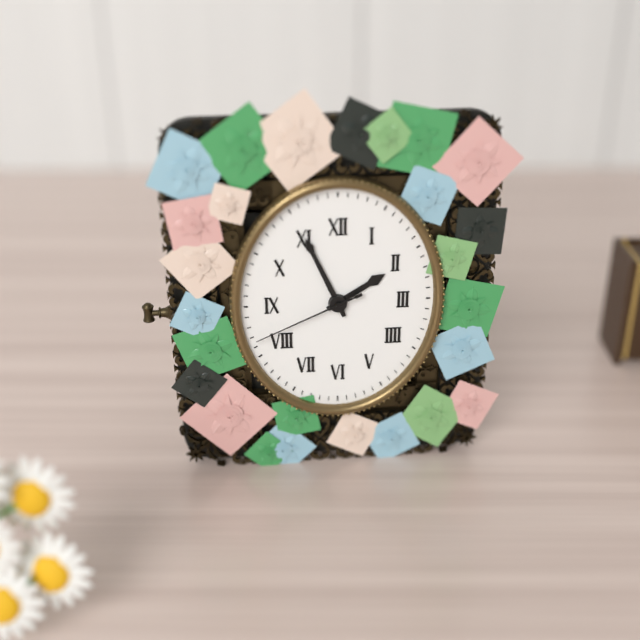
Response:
{"hour": 1, "minute": 56, "second": 41}
